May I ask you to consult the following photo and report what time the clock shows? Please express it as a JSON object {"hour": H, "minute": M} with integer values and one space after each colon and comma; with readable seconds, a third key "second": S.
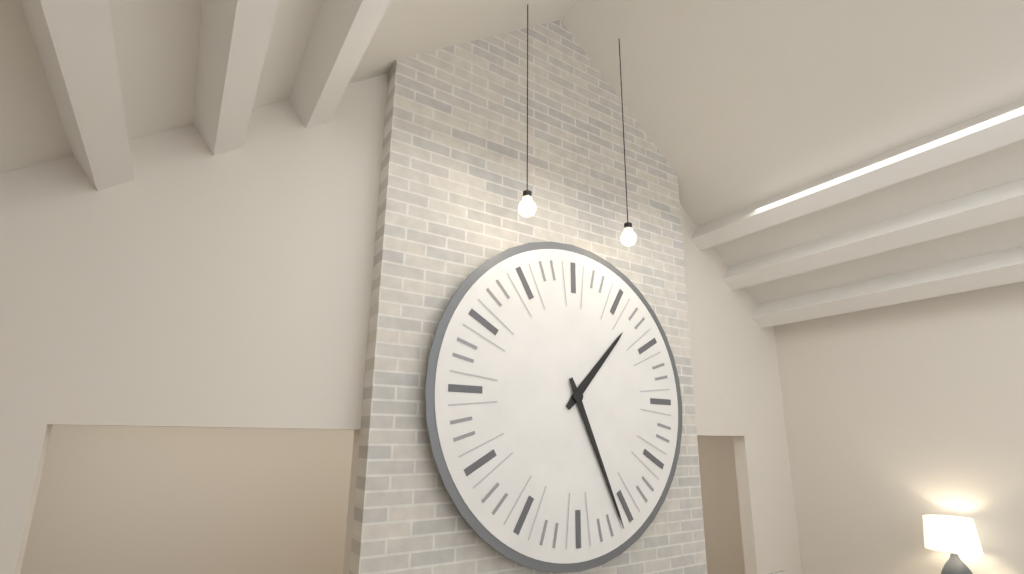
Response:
{"hour": 1, "minute": 26}
